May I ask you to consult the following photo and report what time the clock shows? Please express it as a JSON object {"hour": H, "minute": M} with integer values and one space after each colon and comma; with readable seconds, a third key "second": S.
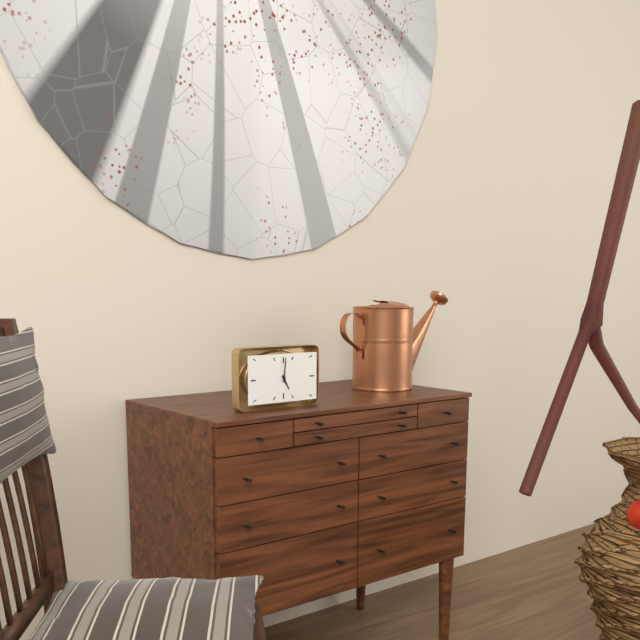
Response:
{"hour": 5, "minute": 1}
